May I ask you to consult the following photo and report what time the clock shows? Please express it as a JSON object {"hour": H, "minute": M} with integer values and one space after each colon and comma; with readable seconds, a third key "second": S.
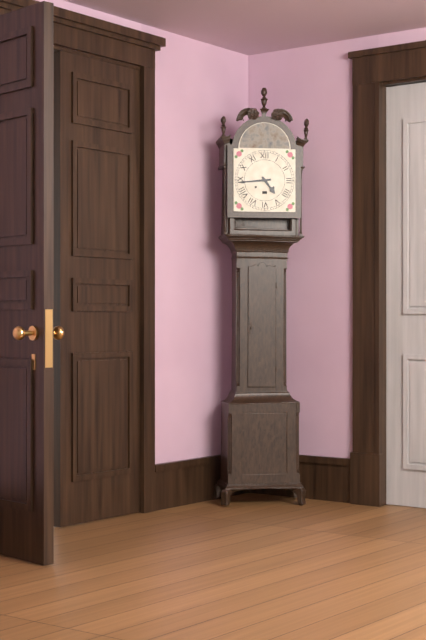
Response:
{"hour": 4, "minute": 44}
